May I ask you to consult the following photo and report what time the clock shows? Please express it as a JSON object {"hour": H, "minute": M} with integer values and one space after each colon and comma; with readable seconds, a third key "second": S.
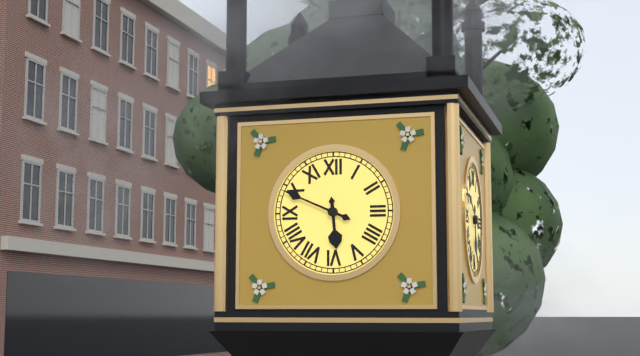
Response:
{"hour": 5, "minute": 49}
